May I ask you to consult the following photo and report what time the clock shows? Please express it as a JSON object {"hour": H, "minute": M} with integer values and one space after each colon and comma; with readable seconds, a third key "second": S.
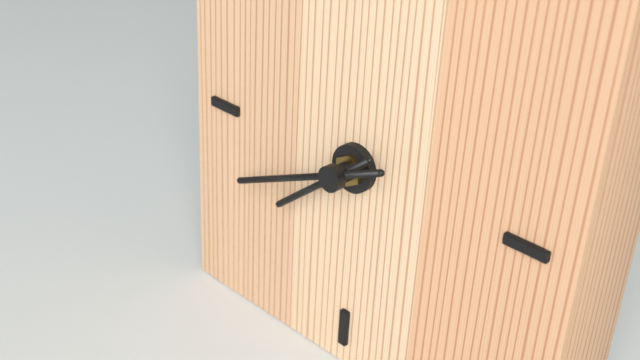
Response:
{"hour": 7, "minute": 41}
